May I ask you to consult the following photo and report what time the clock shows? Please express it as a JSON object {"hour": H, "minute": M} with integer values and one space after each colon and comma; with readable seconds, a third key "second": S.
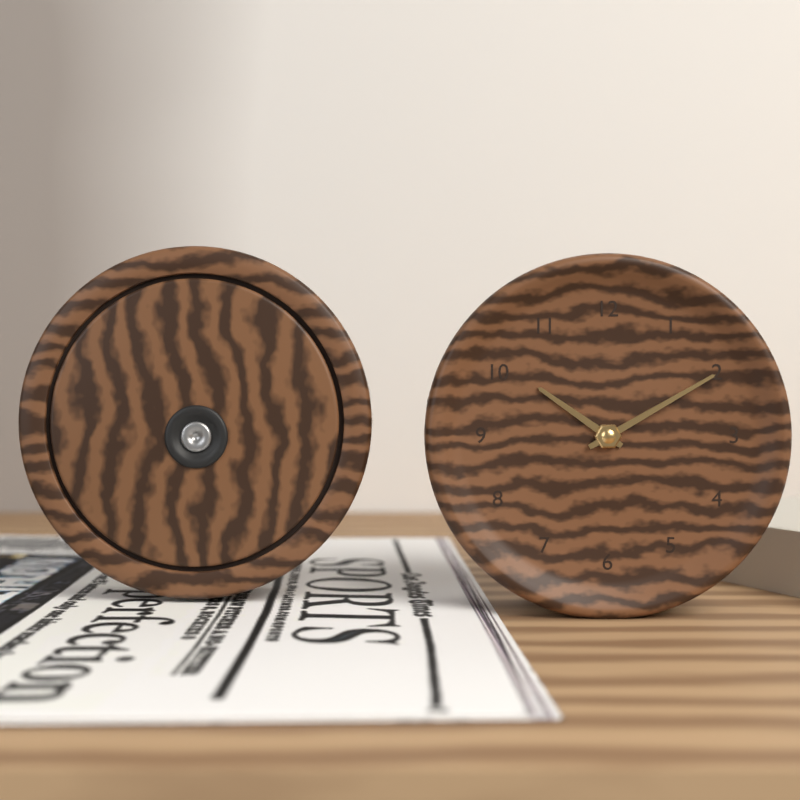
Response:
{"hour": 10, "minute": 10}
